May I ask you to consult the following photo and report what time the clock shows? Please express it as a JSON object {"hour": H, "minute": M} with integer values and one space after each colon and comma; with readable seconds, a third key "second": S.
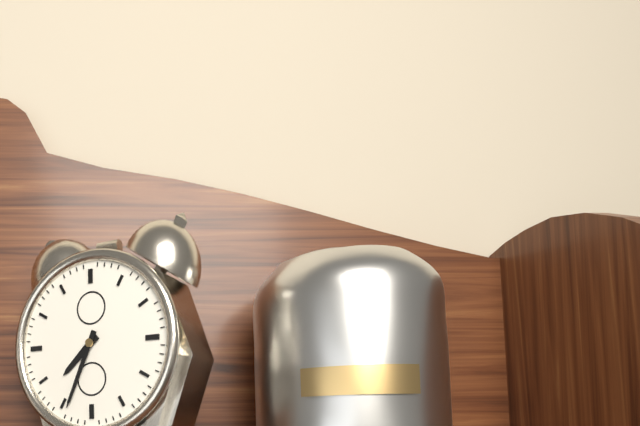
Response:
{"hour": 7, "minute": 34}
